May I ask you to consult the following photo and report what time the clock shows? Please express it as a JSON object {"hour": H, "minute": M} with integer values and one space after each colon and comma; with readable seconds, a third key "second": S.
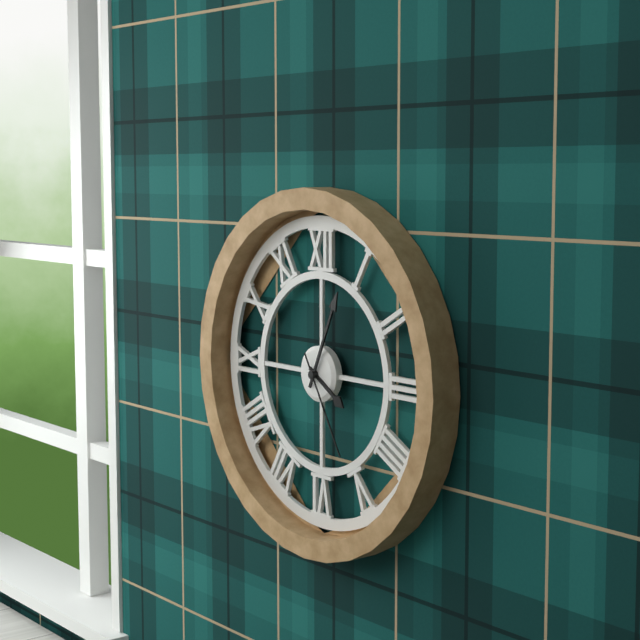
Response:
{"hour": 4, "minute": 4, "second": 25}
